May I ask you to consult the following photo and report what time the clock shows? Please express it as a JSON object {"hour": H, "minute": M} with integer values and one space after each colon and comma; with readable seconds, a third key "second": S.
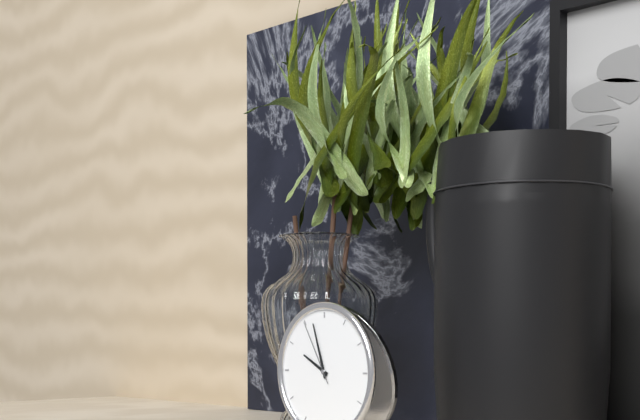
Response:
{"hour": 9, "minute": 57, "second": 55}
